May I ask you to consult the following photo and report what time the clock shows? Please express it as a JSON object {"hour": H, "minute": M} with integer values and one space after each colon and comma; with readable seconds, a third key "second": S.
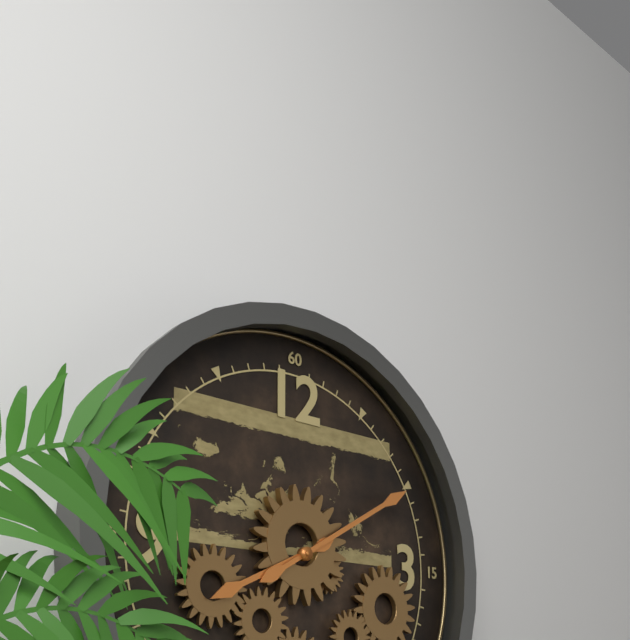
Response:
{"hour": 8, "minute": 10}
